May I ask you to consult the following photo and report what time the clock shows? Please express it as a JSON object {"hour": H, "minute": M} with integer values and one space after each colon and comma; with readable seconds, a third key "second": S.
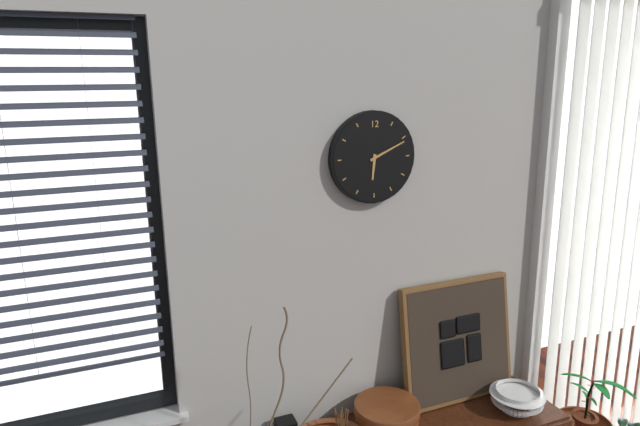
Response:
{"hour": 6, "minute": 11}
